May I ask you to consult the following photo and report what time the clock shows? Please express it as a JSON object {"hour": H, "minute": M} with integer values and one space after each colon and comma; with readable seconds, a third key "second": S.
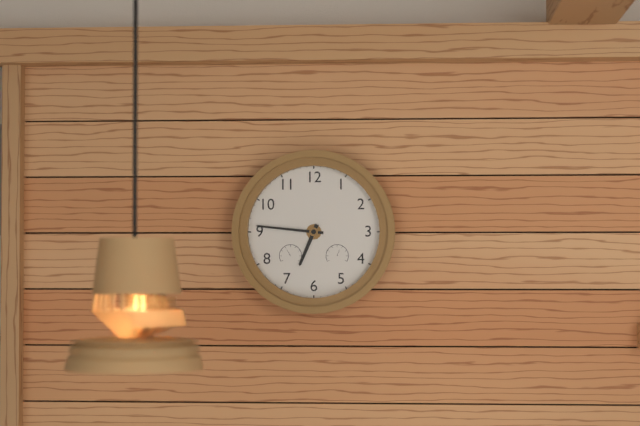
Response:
{"hour": 6, "minute": 46}
